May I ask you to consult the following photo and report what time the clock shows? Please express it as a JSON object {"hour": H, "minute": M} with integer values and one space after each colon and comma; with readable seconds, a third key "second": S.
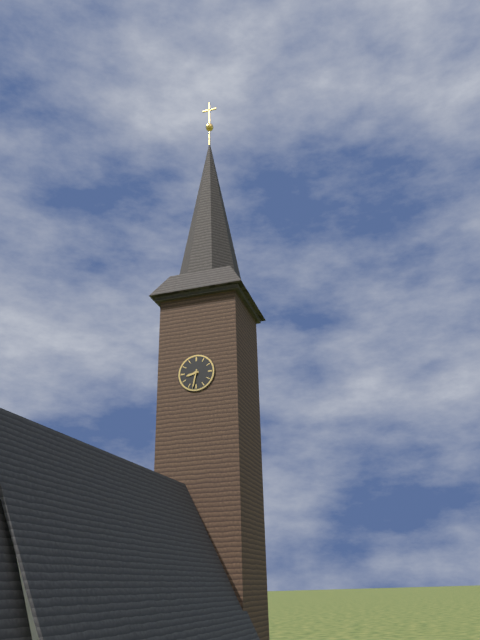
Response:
{"hour": 8, "minute": 32}
